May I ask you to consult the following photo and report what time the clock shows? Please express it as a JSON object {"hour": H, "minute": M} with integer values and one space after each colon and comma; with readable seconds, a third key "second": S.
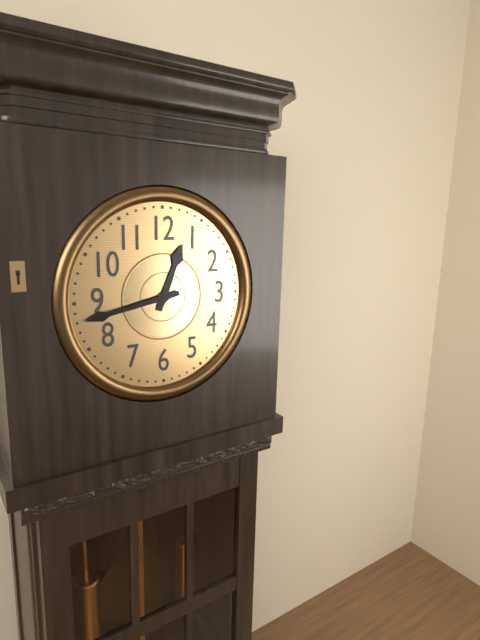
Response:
{"hour": 12, "minute": 43}
